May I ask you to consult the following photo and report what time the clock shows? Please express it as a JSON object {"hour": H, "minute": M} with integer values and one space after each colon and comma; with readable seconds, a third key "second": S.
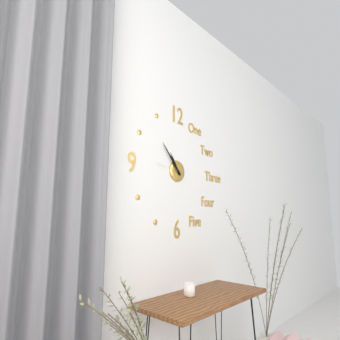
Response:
{"hour": 10, "minute": 53}
